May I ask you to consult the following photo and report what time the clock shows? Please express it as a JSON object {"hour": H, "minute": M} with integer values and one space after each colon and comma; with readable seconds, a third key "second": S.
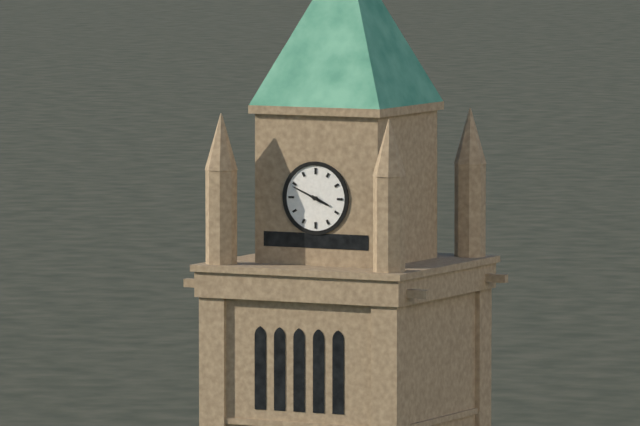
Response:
{"hour": 3, "minute": 49}
